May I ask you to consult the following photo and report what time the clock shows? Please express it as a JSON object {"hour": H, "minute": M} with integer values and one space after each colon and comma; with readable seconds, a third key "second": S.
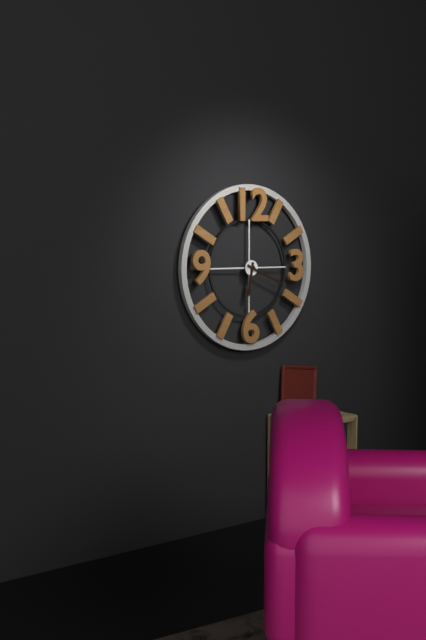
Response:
{"hour": 6, "minute": 19}
